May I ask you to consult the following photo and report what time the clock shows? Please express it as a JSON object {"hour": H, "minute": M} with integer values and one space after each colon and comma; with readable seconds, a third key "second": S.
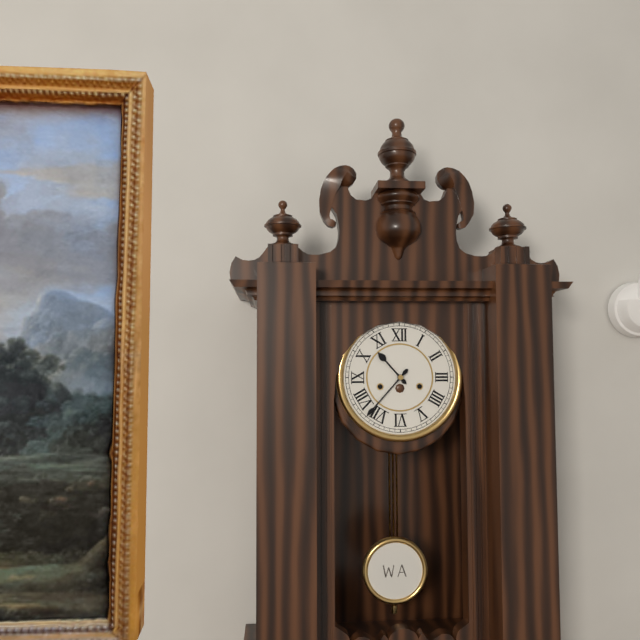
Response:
{"hour": 10, "minute": 37}
